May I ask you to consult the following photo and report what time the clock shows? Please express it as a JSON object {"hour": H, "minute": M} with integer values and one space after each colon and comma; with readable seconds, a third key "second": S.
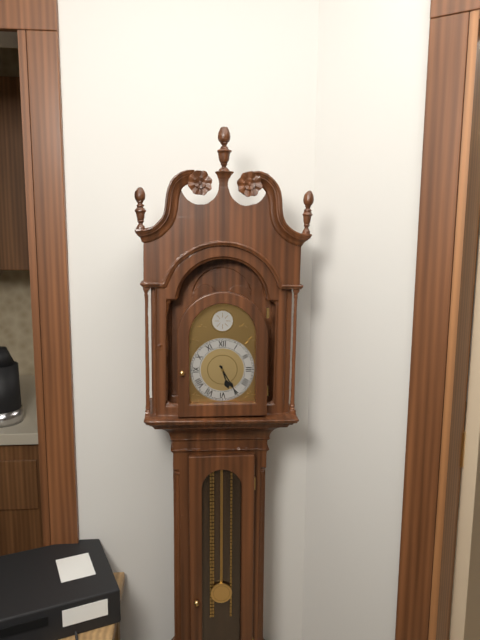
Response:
{"hour": 5, "minute": 25}
